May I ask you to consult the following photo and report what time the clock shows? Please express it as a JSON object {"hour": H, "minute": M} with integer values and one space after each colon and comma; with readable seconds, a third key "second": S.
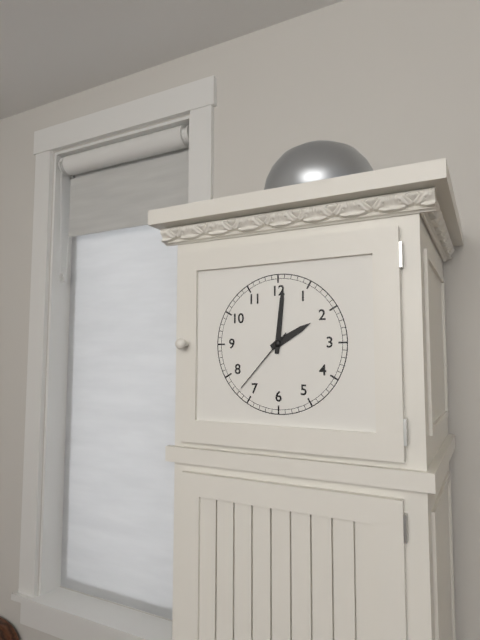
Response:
{"hour": 2, "minute": 1, "second": 37}
